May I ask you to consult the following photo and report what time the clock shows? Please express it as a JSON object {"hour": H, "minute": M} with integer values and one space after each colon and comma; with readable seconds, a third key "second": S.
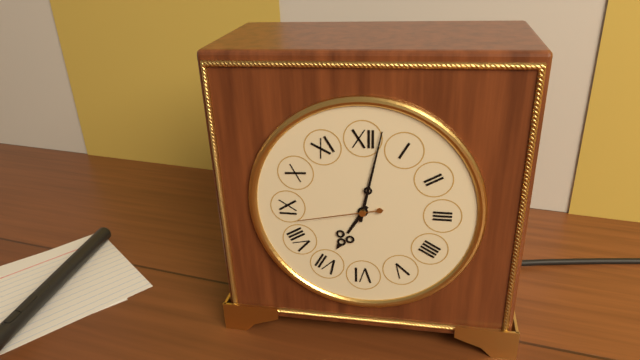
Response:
{"hour": 7, "minute": 2, "second": 43}
